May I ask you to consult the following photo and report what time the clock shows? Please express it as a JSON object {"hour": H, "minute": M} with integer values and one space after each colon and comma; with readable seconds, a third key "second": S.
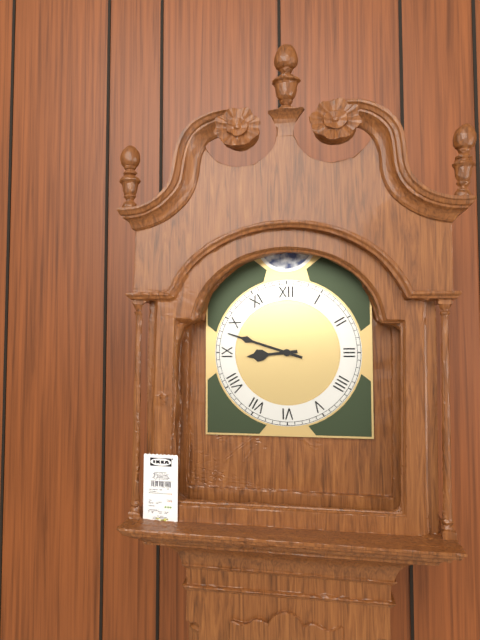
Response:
{"hour": 8, "minute": 48}
